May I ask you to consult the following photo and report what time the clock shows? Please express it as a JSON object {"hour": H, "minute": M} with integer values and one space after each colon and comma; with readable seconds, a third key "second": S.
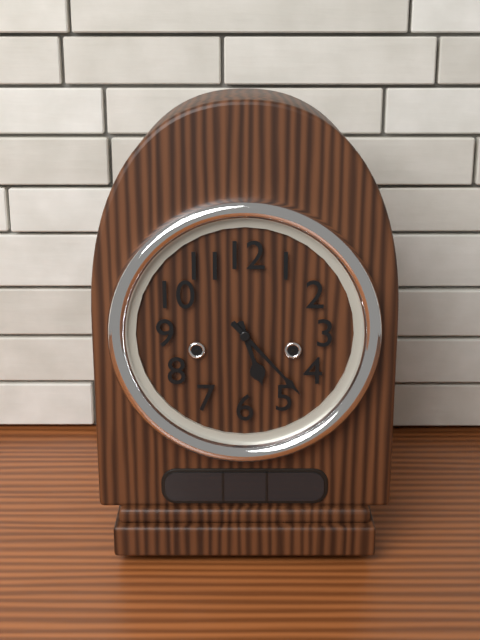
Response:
{"hour": 5, "minute": 23}
